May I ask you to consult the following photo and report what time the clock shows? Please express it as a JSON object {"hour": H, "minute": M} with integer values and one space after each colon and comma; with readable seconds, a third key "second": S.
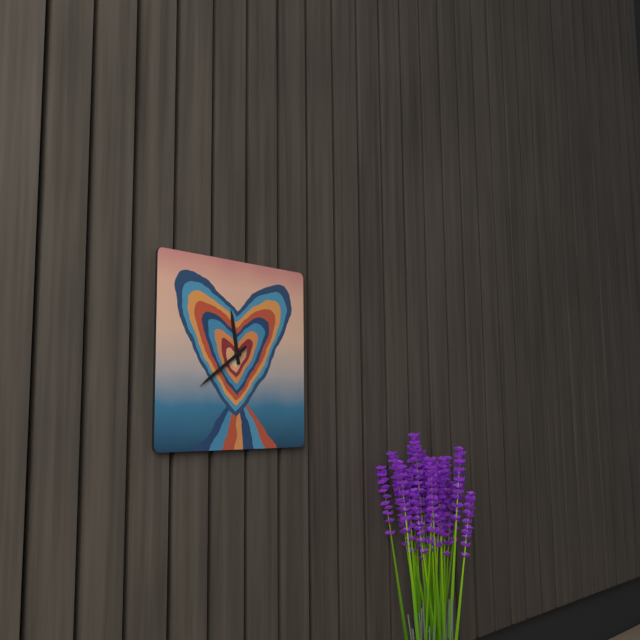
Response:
{"hour": 11, "minute": 39}
